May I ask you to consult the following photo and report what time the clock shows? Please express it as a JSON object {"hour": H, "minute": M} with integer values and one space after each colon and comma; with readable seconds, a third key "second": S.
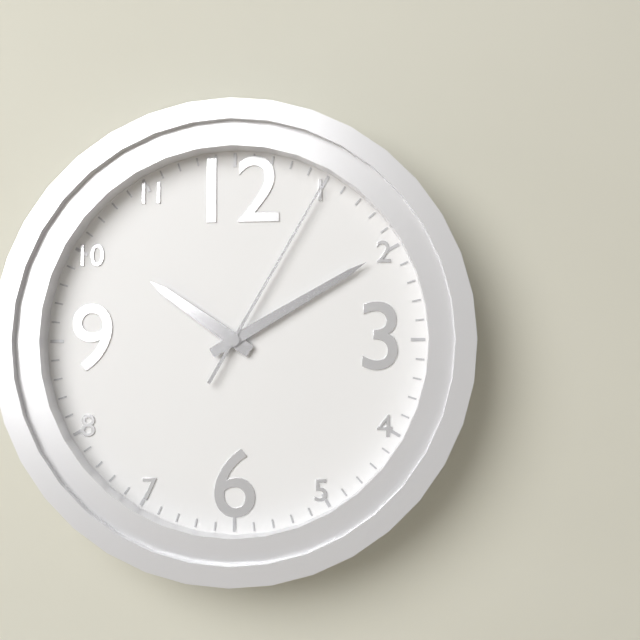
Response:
{"hour": 10, "minute": 10, "second": 5}
